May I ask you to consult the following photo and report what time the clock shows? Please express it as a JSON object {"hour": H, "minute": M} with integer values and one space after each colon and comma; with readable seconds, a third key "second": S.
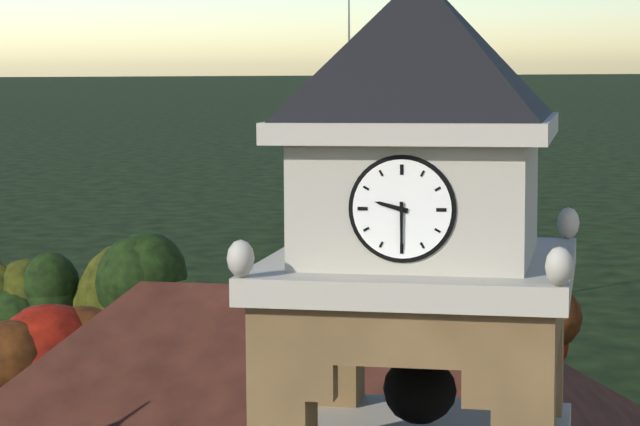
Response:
{"hour": 9, "minute": 30}
